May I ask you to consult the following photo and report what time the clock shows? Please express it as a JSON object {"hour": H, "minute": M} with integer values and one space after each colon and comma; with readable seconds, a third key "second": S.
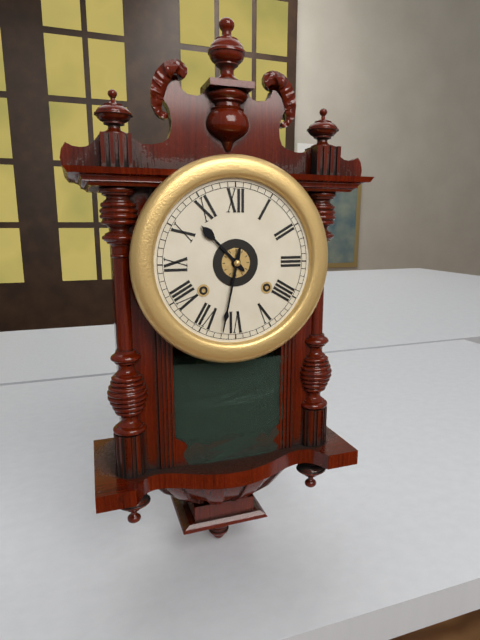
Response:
{"hour": 10, "minute": 32}
